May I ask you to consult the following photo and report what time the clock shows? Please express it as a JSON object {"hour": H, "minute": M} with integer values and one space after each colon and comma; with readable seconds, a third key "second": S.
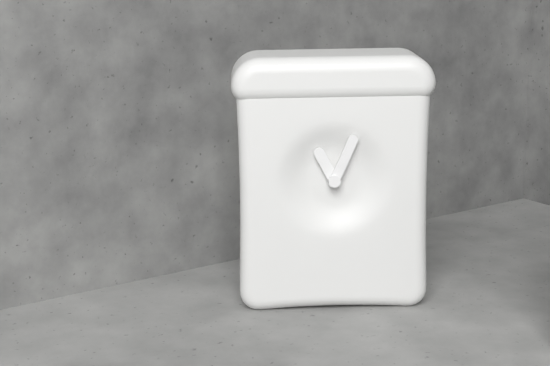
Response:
{"hour": 11, "minute": 4}
